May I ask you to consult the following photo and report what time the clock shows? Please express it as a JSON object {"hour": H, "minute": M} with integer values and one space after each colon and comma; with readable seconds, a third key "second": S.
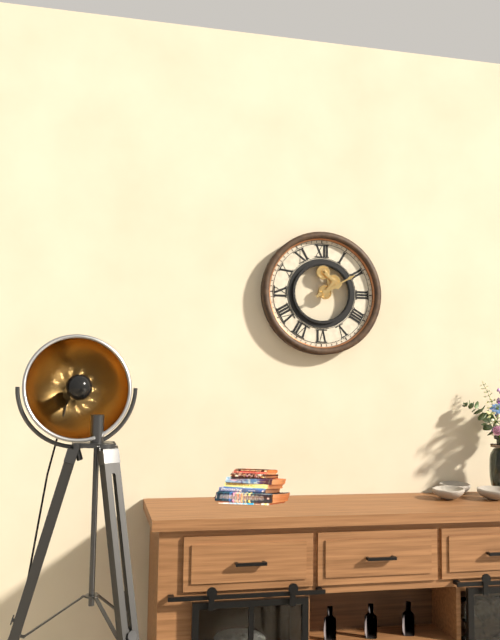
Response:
{"hour": 2, "minute": 10}
